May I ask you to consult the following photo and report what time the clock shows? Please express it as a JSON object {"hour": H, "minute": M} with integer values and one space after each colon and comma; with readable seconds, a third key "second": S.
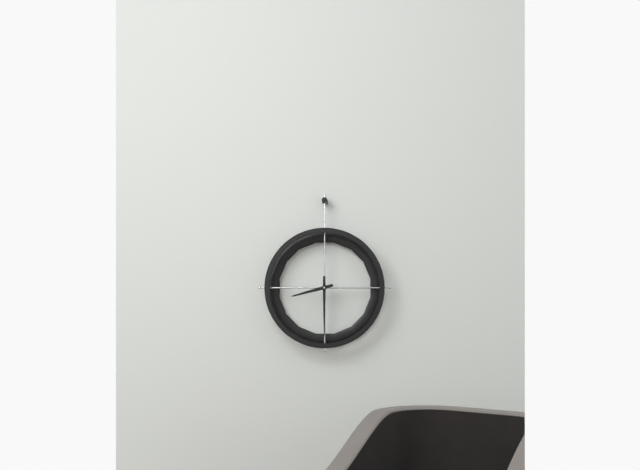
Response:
{"hour": 8, "minute": 30}
